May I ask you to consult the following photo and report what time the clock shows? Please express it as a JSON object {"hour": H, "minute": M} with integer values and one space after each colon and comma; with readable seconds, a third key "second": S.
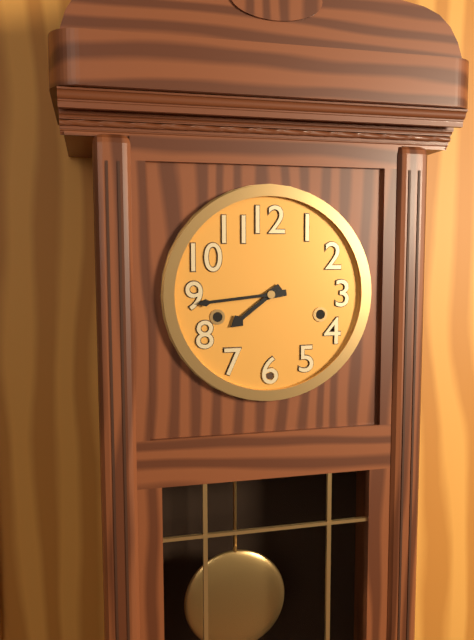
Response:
{"hour": 7, "minute": 44}
